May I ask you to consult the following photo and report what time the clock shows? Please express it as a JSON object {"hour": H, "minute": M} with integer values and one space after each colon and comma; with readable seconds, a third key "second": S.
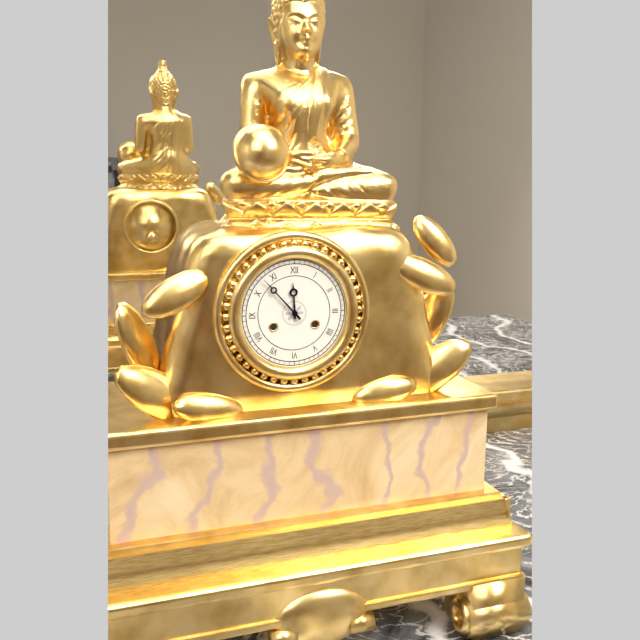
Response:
{"hour": 11, "minute": 53}
